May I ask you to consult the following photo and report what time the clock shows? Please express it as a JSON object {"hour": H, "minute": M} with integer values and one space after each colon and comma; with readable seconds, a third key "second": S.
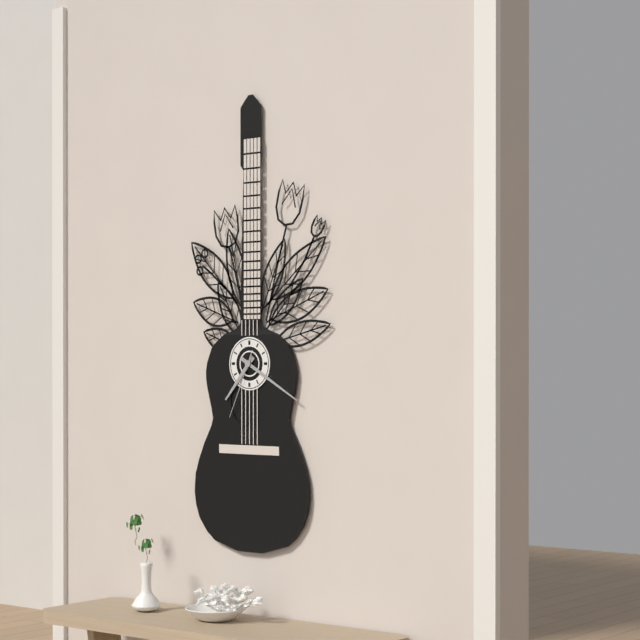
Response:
{"hour": 7, "minute": 20, "second": 34}
